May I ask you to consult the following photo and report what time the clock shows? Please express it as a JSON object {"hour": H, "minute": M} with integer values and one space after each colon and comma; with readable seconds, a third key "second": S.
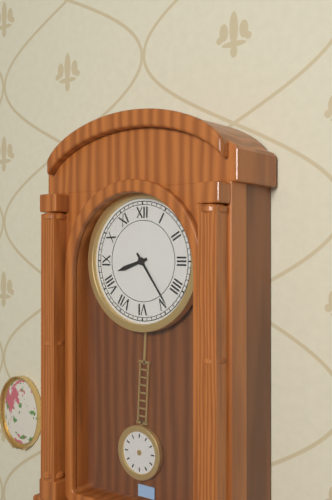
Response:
{"hour": 8, "minute": 24}
